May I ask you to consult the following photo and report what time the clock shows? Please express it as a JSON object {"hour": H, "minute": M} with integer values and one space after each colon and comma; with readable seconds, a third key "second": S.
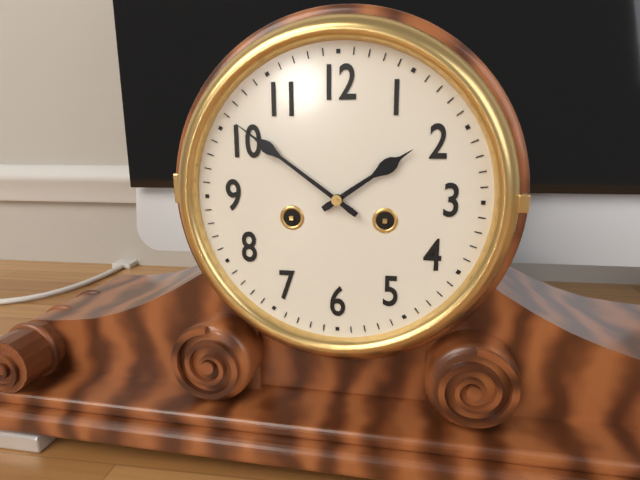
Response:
{"hour": 1, "minute": 51}
